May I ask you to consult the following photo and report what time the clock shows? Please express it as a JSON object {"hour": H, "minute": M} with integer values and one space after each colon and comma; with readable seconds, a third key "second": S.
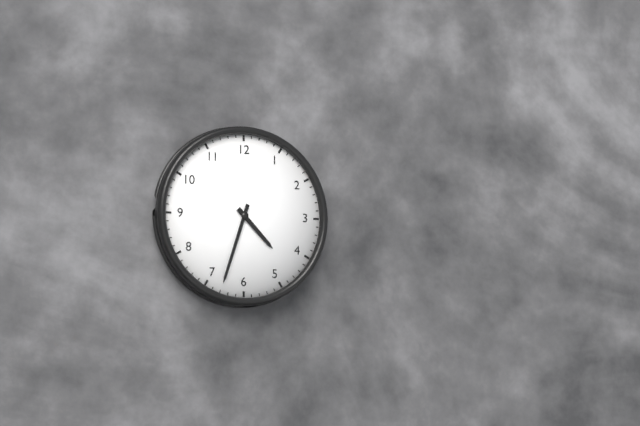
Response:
{"hour": 4, "minute": 33}
